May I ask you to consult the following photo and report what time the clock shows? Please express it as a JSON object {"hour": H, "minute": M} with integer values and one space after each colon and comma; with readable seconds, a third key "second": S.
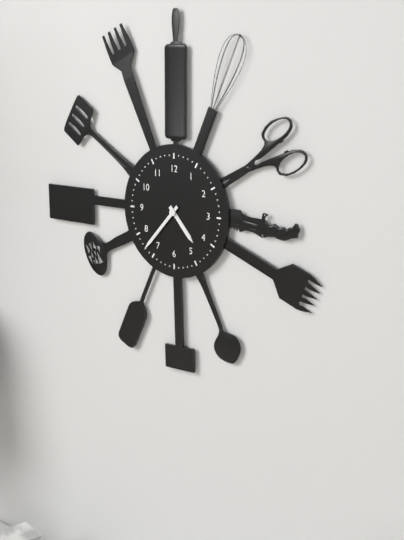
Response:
{"hour": 4, "minute": 37}
